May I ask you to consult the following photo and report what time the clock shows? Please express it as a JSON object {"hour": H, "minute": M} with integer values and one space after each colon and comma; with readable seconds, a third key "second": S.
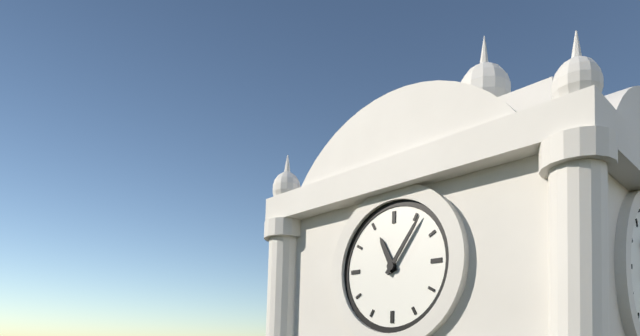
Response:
{"hour": 11, "minute": 6}
